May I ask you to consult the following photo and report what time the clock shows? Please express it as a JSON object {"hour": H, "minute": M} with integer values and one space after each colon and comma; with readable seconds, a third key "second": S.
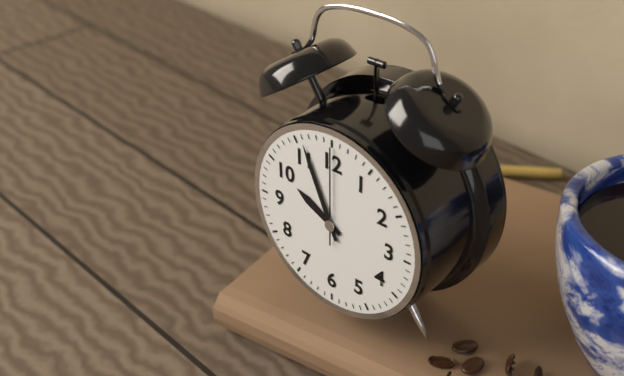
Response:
{"hour": 9, "minute": 56, "second": 0}
